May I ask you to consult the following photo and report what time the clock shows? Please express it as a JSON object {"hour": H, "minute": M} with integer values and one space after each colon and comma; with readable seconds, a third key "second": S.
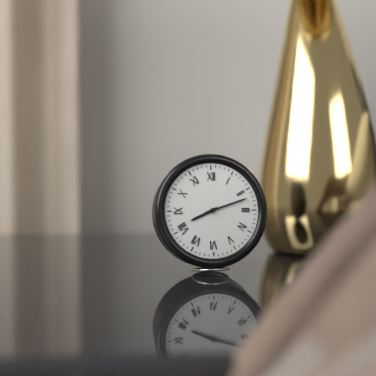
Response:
{"hour": 8, "minute": 12}
